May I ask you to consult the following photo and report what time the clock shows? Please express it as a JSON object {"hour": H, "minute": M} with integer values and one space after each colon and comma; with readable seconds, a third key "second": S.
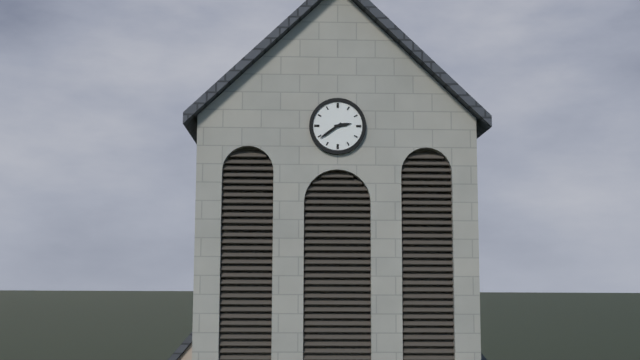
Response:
{"hour": 2, "minute": 39}
